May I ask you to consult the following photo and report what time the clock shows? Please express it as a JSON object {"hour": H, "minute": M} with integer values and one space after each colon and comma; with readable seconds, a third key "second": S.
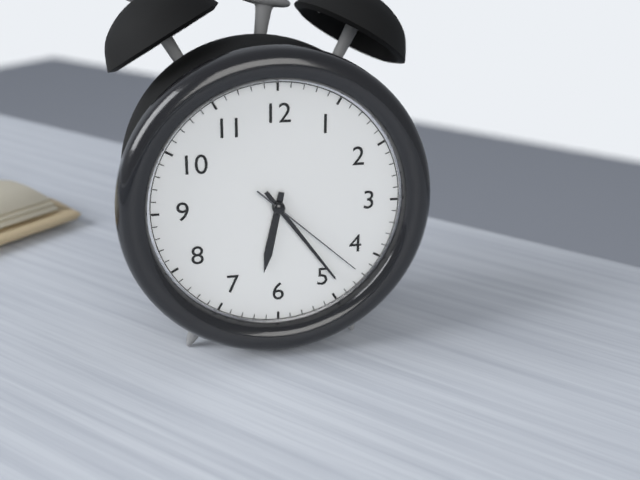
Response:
{"hour": 6, "minute": 24, "second": 22}
